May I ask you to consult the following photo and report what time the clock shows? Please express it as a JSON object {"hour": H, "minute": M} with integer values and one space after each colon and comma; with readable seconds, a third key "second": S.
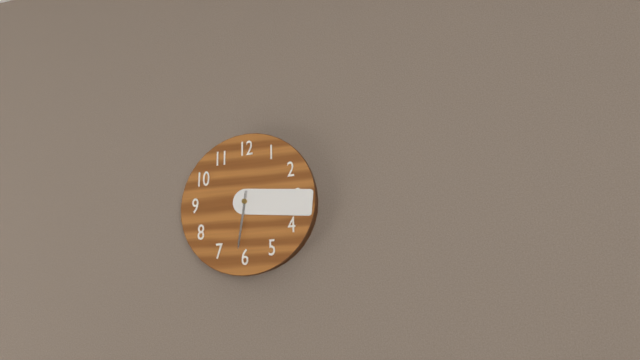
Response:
{"hour": 6, "minute": 16}
